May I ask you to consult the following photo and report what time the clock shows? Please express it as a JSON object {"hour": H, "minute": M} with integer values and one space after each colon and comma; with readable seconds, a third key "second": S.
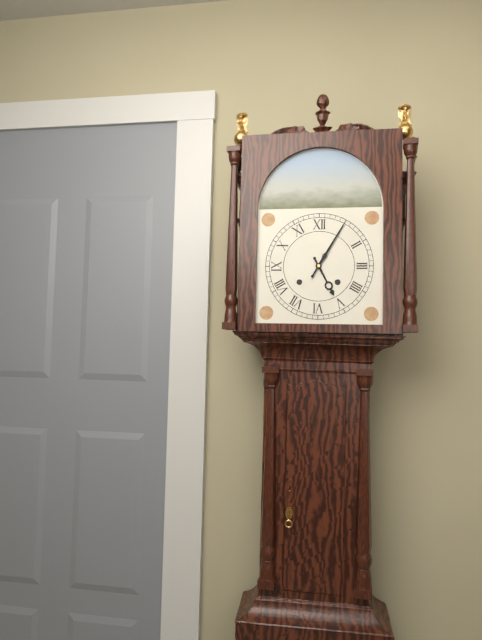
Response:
{"hour": 5, "minute": 5}
